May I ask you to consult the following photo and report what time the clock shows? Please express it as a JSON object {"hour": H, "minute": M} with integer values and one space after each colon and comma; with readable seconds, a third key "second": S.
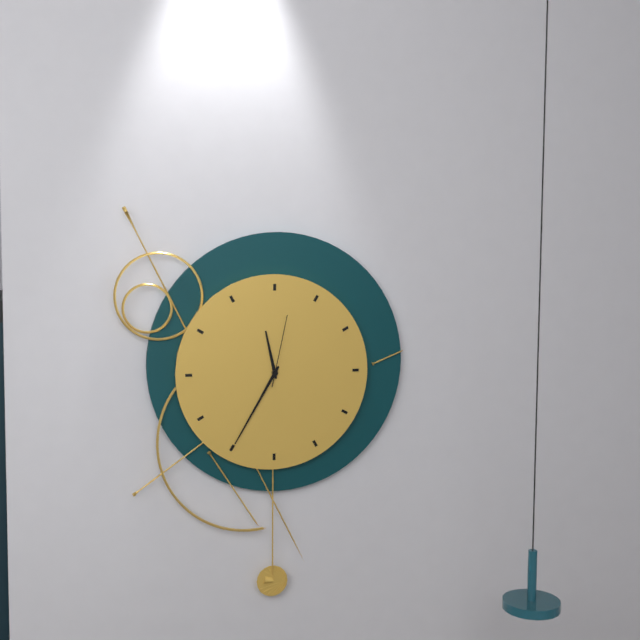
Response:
{"hour": 11, "minute": 35, "second": 2}
